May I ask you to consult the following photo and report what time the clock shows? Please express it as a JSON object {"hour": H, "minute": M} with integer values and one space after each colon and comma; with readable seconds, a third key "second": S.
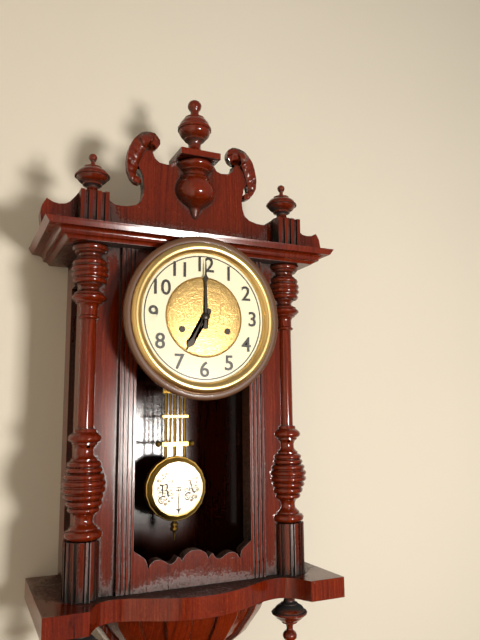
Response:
{"hour": 7, "minute": 0}
